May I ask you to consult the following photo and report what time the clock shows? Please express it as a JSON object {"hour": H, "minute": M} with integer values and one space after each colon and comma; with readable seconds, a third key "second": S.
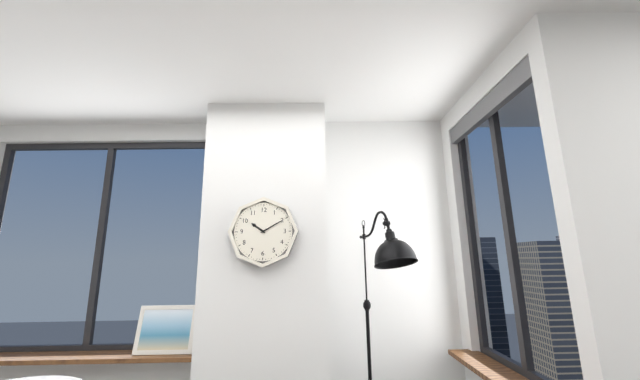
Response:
{"hour": 10, "minute": 10}
